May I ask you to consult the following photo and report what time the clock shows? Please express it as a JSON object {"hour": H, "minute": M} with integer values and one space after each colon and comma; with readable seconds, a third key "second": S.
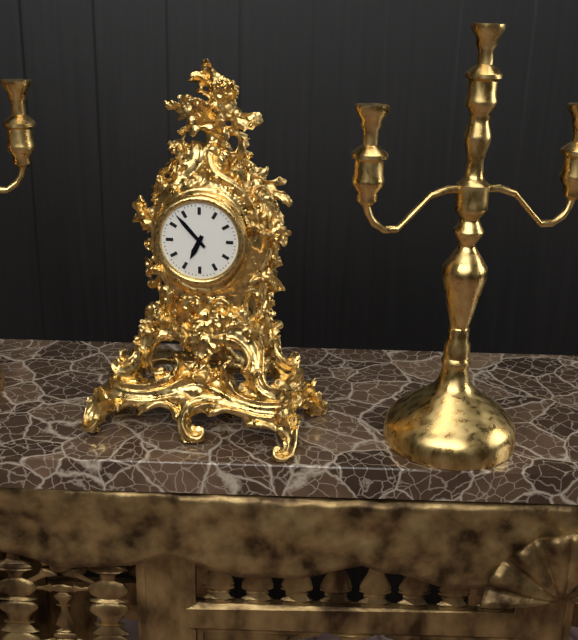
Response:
{"hour": 6, "minute": 53}
